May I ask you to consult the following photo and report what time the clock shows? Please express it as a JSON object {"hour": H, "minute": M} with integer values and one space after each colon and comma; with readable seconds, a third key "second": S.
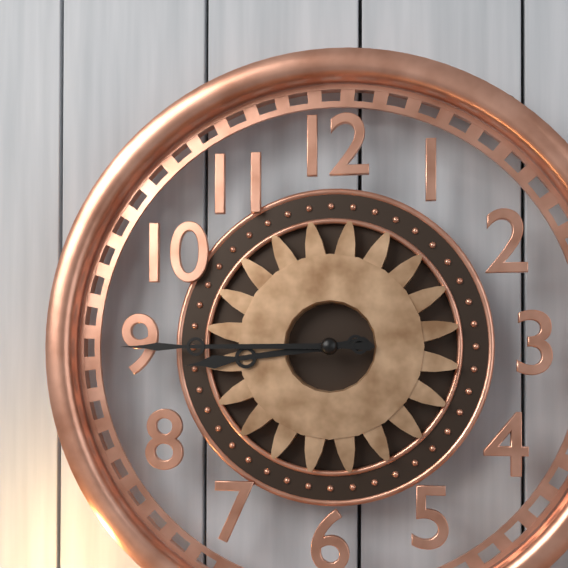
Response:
{"hour": 8, "minute": 45}
